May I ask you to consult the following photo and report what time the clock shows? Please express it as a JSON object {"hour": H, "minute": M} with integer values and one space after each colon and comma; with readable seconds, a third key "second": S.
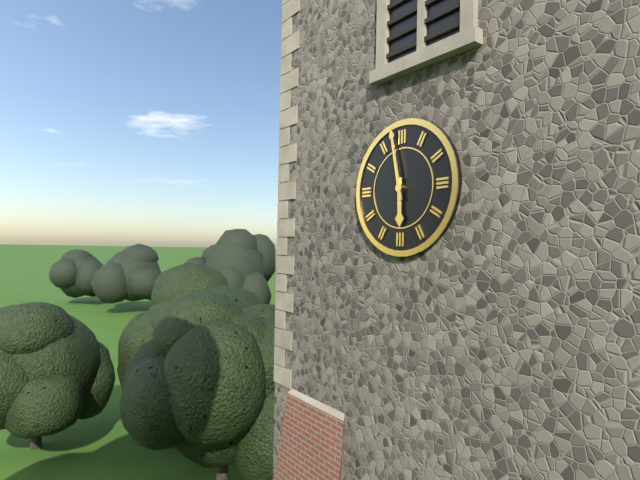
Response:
{"hour": 5, "minute": 58}
